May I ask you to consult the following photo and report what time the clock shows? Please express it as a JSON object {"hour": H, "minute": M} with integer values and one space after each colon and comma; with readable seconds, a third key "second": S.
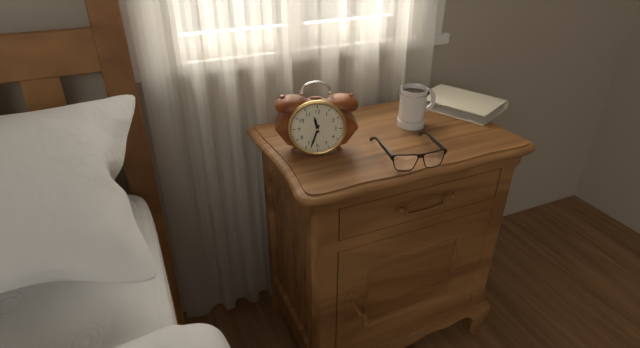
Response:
{"hour": 11, "minute": 33}
